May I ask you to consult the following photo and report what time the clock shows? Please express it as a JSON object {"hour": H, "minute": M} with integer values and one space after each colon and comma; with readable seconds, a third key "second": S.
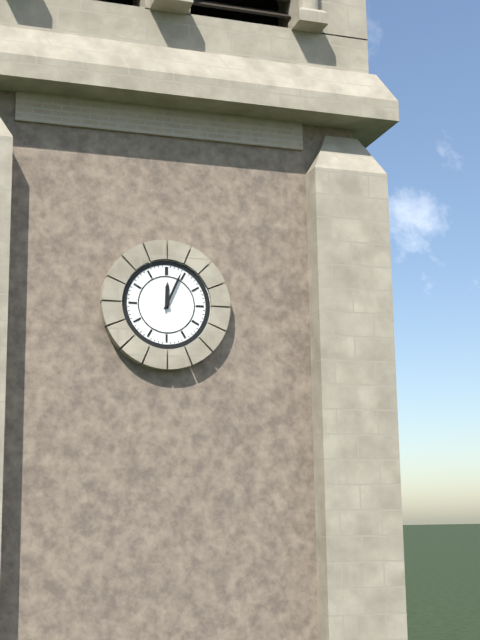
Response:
{"hour": 12, "minute": 4}
